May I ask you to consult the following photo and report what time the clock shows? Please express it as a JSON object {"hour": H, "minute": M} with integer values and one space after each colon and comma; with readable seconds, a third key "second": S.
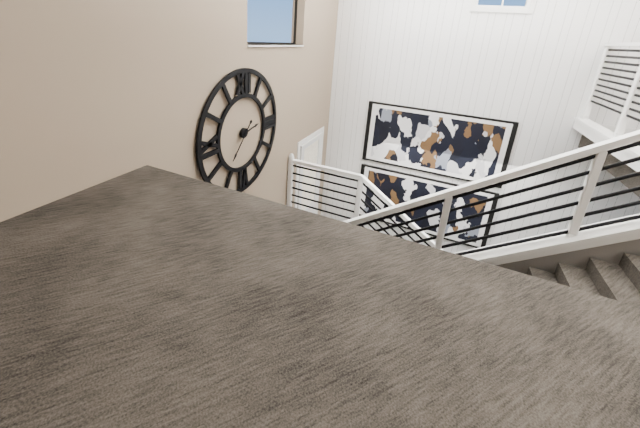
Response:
{"hour": 2, "minute": 37}
